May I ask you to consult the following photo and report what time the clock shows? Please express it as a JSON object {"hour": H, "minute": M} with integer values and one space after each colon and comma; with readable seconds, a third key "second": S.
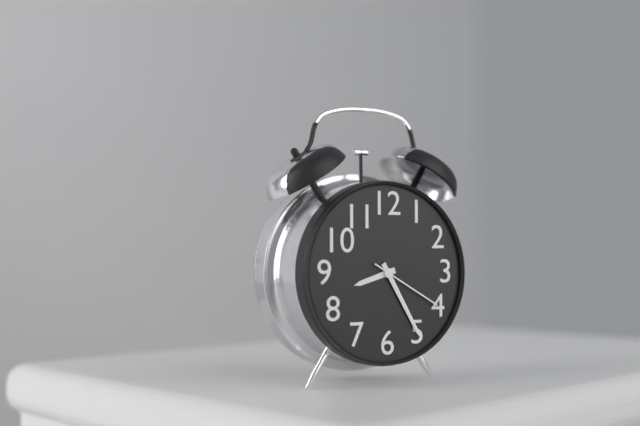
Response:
{"hour": 8, "minute": 25, "second": 20}
